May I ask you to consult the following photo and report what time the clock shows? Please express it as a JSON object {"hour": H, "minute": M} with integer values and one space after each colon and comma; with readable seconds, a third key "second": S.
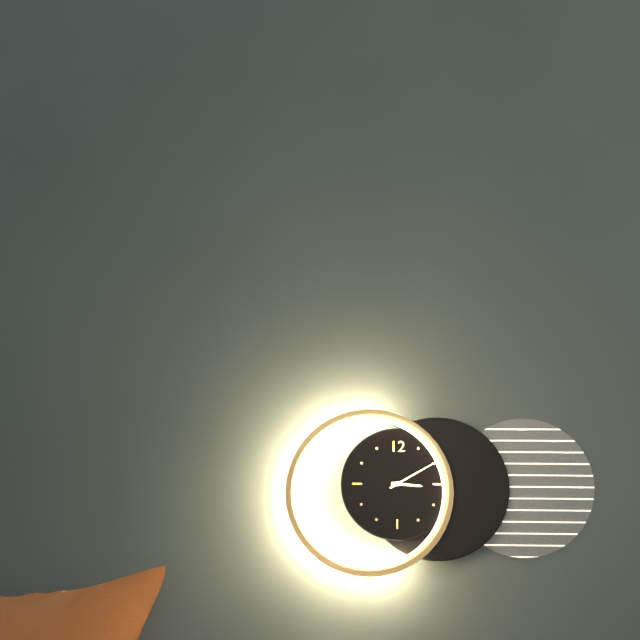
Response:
{"hour": 3, "minute": 10}
